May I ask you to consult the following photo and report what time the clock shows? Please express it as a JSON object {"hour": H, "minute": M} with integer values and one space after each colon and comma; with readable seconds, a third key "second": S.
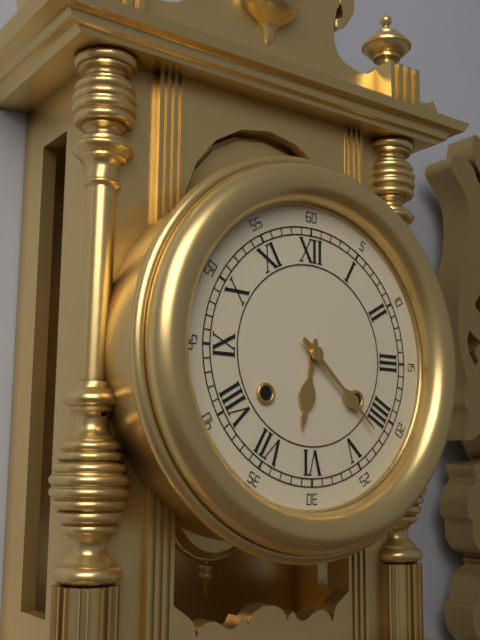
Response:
{"hour": 6, "minute": 22}
